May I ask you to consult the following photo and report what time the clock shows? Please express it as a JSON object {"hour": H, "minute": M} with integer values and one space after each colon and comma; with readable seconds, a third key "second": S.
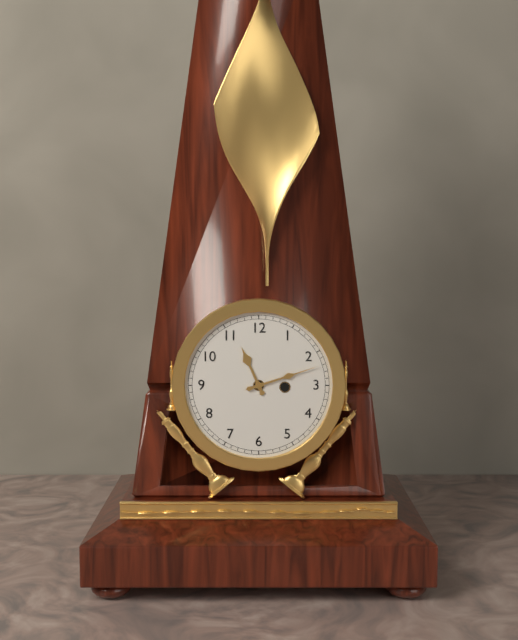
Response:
{"hour": 11, "minute": 12}
